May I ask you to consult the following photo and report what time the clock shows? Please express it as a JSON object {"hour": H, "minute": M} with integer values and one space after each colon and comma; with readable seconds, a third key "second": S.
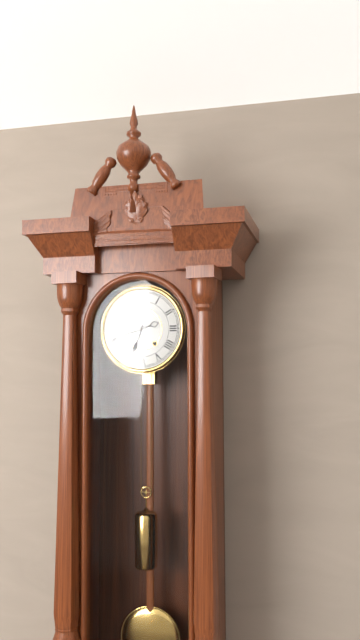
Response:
{"hour": 6, "minute": 42}
